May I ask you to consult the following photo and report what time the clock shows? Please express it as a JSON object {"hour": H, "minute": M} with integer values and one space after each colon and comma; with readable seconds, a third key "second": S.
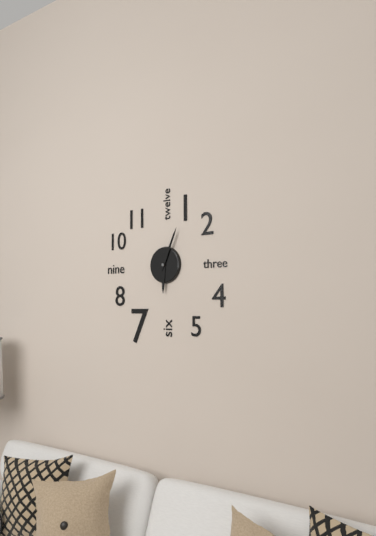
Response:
{"hour": 6, "minute": 4}
